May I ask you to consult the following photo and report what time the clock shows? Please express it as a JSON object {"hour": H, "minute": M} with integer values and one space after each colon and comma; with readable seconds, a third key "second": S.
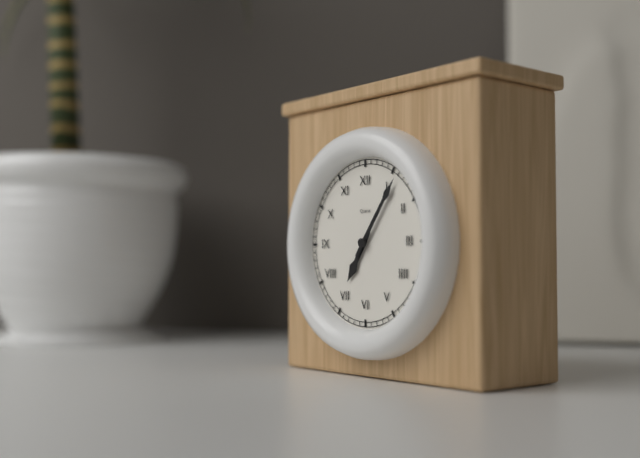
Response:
{"hour": 7, "minute": 6}
